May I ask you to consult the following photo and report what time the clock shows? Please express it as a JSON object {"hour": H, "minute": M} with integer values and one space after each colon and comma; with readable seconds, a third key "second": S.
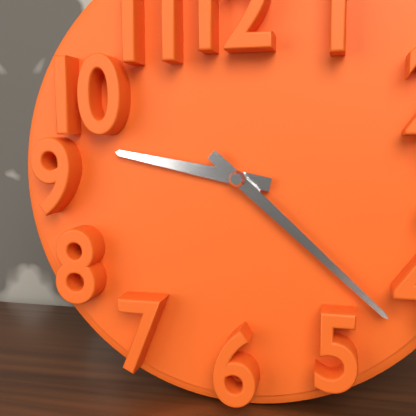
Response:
{"hour": 9, "minute": 22}
